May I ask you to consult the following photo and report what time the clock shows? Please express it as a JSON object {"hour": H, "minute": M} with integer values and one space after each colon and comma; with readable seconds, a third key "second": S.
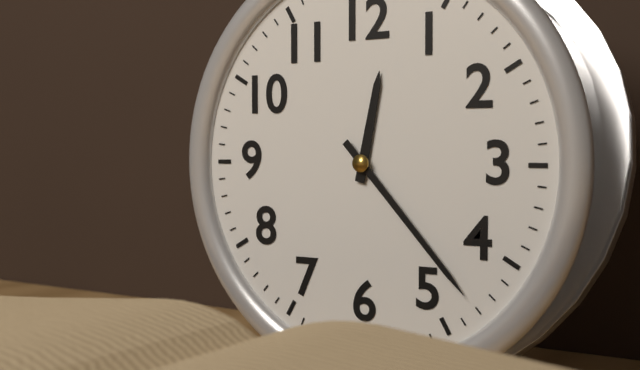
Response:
{"hour": 12, "minute": 23}
